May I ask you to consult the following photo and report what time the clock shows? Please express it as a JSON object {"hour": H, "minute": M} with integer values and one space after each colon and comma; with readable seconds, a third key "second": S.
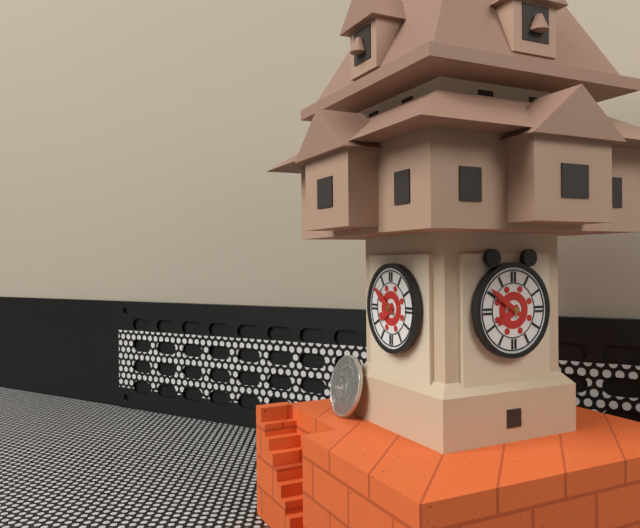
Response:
{"hour": 7, "minute": 51}
